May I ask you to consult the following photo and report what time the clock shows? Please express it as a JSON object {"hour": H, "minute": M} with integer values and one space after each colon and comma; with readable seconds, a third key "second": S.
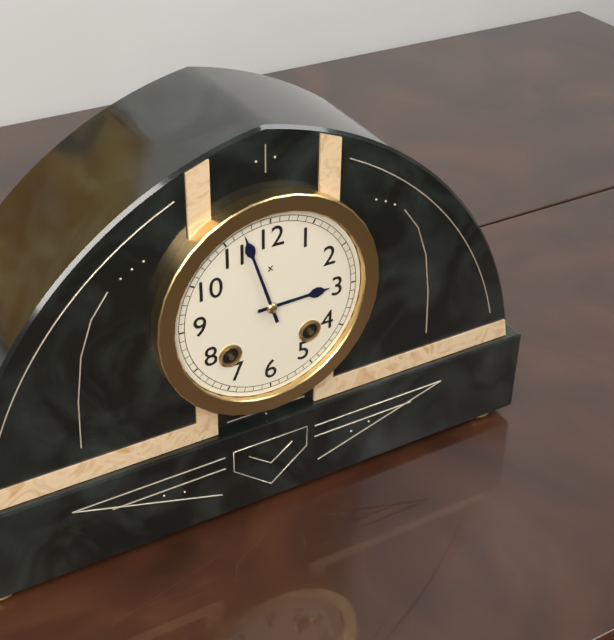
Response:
{"hour": 2, "minute": 57}
